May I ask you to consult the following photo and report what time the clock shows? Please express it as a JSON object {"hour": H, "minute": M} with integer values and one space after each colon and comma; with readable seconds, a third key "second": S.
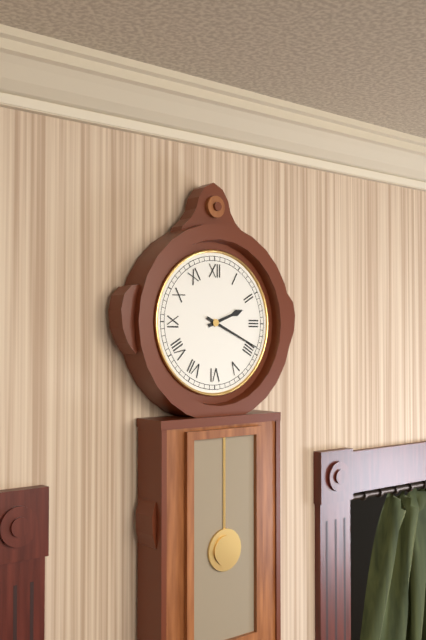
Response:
{"hour": 2, "minute": 19}
